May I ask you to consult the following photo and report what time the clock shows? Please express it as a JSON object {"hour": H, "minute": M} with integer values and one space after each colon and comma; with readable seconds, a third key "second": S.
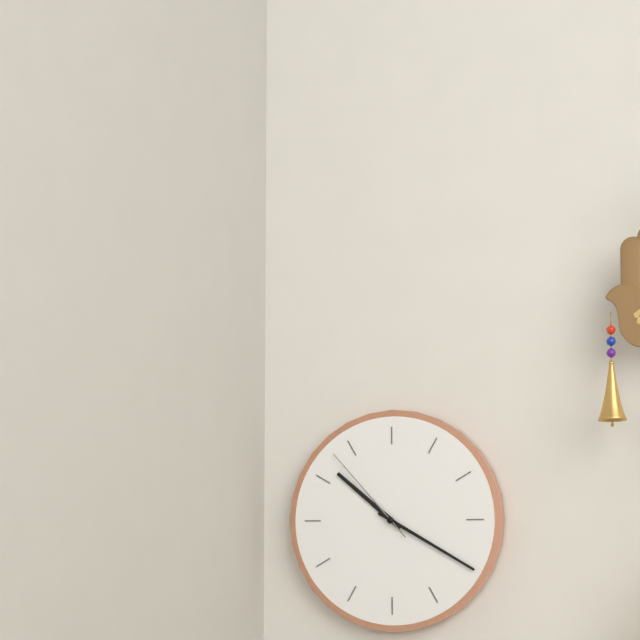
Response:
{"hour": 10, "minute": 20, "second": 53}
